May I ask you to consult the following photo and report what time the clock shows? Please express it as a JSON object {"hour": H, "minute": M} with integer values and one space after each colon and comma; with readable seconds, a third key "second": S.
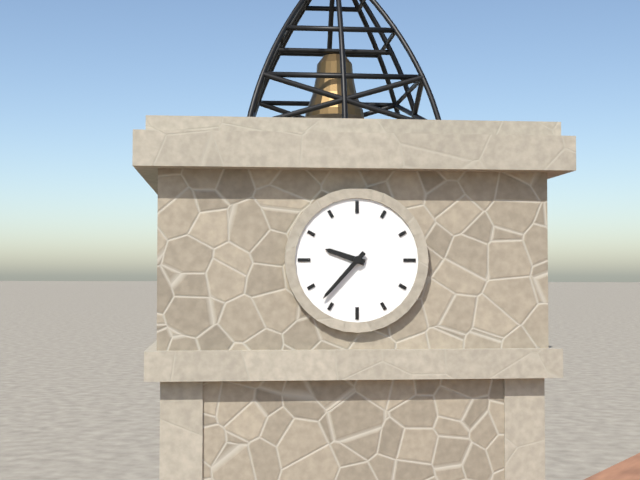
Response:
{"hour": 9, "minute": 37}
